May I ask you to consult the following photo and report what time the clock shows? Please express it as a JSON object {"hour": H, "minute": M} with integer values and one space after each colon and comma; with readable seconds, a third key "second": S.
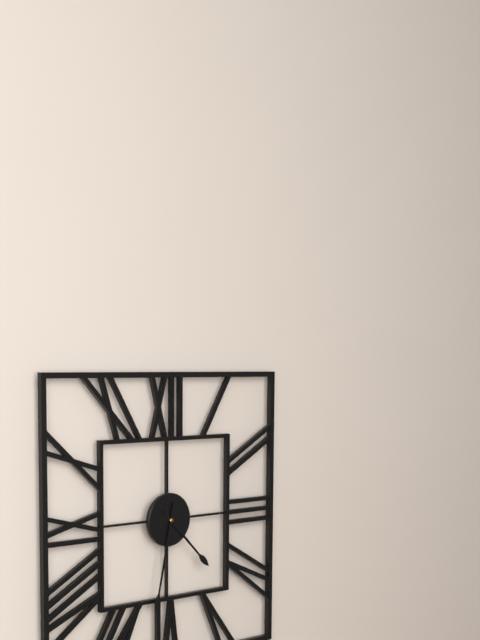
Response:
{"hour": 4, "minute": 32}
